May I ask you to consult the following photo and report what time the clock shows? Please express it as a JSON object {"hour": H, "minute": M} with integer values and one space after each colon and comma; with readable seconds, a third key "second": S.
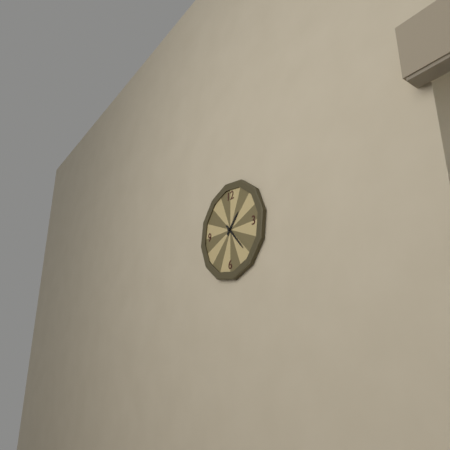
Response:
{"hour": 1, "minute": 23}
